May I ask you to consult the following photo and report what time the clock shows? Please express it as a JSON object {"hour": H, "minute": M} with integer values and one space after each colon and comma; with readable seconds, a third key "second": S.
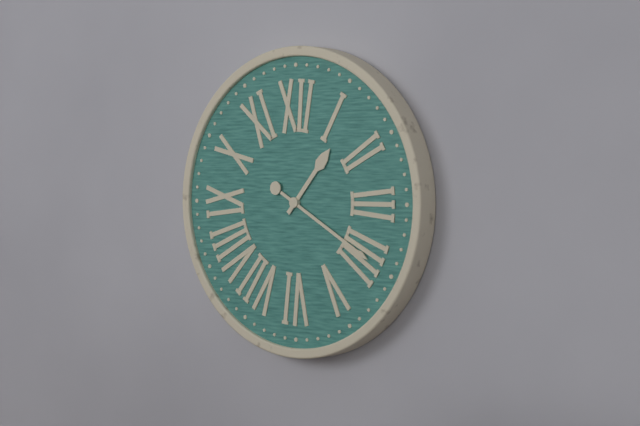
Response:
{"hour": 1, "minute": 20}
